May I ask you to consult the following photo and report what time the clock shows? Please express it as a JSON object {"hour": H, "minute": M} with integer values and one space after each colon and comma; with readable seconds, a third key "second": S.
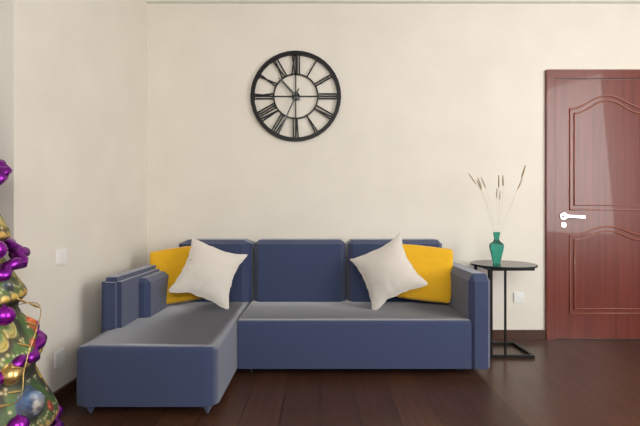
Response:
{"hour": 10, "minute": 34}
